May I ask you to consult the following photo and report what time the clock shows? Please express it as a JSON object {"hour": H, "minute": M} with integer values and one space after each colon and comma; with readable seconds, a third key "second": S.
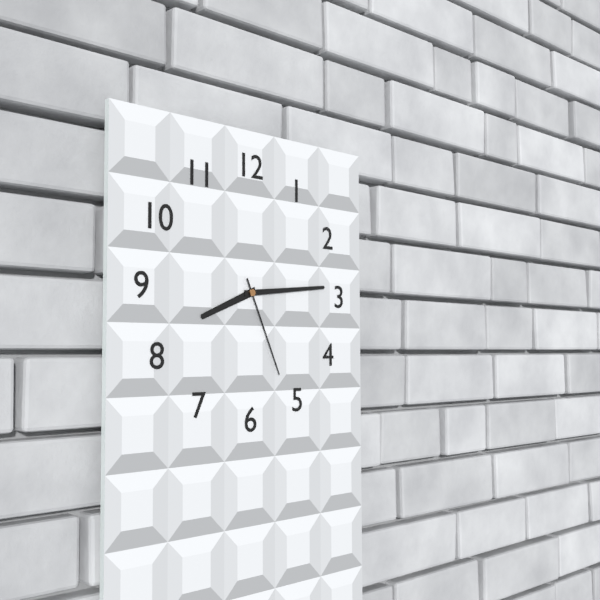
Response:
{"hour": 8, "minute": 14, "second": 26}
